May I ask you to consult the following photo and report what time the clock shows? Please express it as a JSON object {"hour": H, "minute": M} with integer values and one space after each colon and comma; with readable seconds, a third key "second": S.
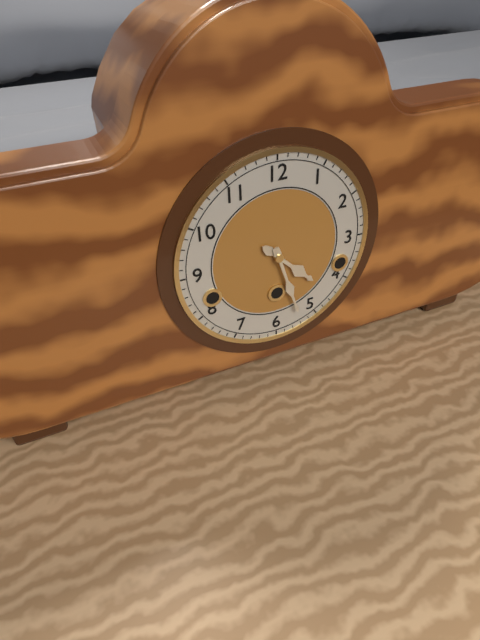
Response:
{"hour": 4, "minute": 27}
